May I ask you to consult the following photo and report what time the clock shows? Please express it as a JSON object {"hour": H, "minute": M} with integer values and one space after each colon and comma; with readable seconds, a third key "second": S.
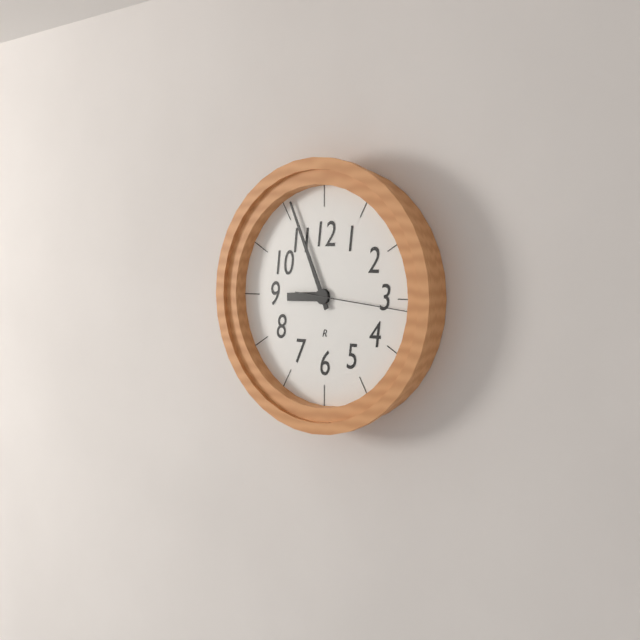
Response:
{"hour": 8, "minute": 56, "second": 16}
